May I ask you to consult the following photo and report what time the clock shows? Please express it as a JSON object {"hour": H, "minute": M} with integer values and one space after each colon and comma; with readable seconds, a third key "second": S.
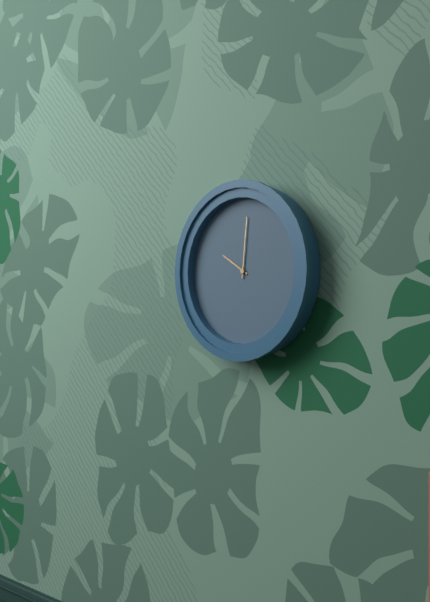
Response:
{"hour": 10, "minute": 1}
